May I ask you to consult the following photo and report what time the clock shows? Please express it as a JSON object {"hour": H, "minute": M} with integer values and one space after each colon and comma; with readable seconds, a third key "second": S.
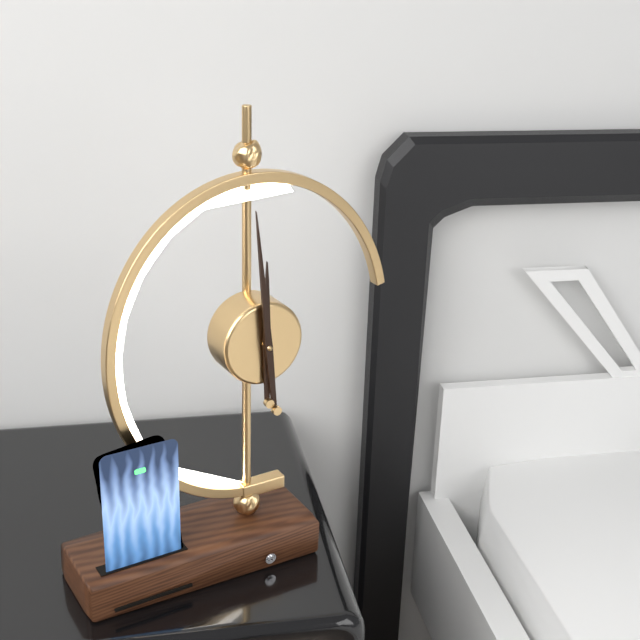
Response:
{"hour": 11, "minute": 59}
